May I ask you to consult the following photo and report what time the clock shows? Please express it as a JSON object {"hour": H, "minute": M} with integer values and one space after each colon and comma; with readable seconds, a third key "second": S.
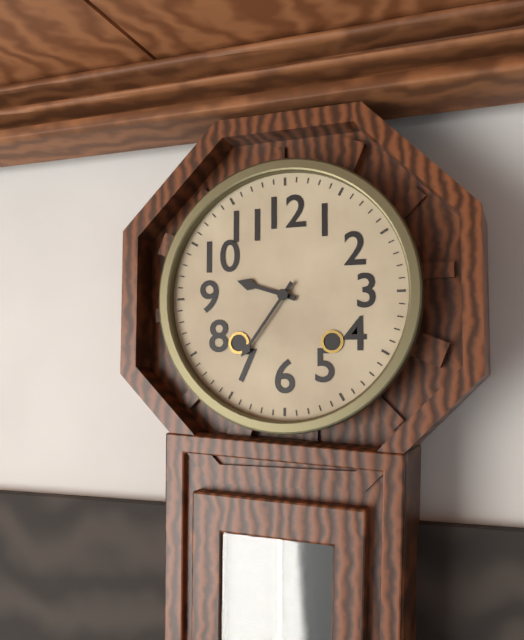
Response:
{"hour": 9, "minute": 36}
